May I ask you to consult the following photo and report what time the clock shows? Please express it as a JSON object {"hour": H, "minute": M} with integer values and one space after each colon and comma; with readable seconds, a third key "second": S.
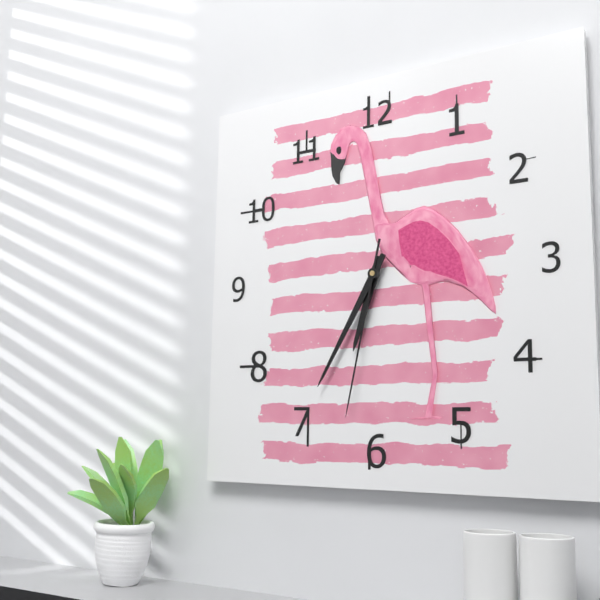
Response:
{"hour": 6, "minute": 35, "second": 32}
